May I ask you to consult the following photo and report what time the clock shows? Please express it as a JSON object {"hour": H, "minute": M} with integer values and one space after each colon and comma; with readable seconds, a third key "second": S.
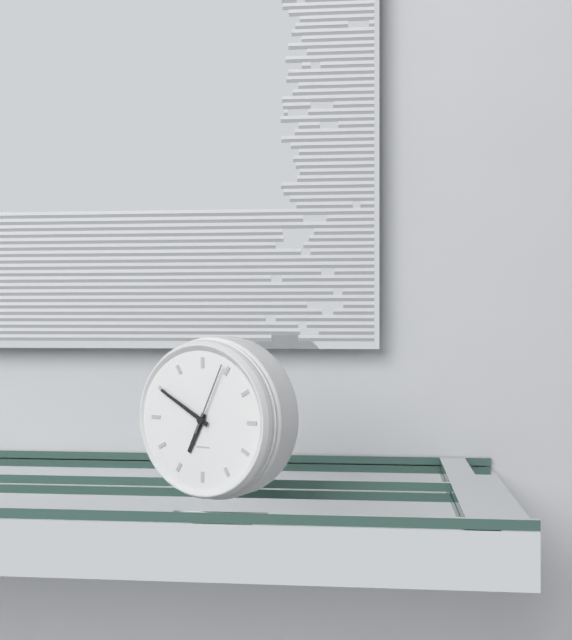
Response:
{"hour": 6, "minute": 50, "second": 4}
